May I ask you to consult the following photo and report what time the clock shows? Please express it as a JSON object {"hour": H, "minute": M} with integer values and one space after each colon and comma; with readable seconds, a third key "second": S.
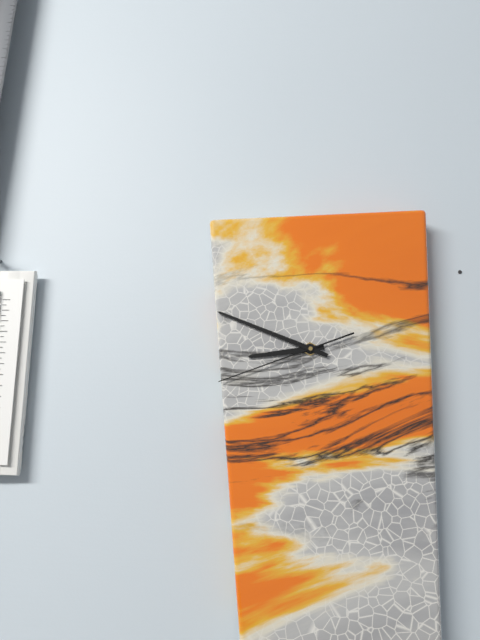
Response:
{"hour": 8, "minute": 49, "second": 42}
